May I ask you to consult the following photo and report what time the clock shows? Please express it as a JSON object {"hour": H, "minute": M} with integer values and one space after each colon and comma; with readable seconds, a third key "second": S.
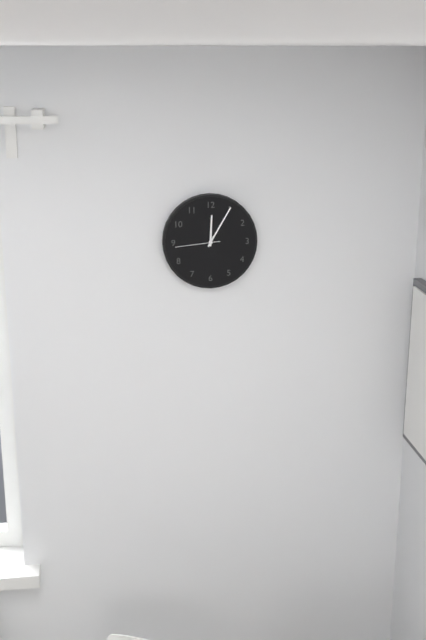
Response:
{"hour": 12, "minute": 5}
